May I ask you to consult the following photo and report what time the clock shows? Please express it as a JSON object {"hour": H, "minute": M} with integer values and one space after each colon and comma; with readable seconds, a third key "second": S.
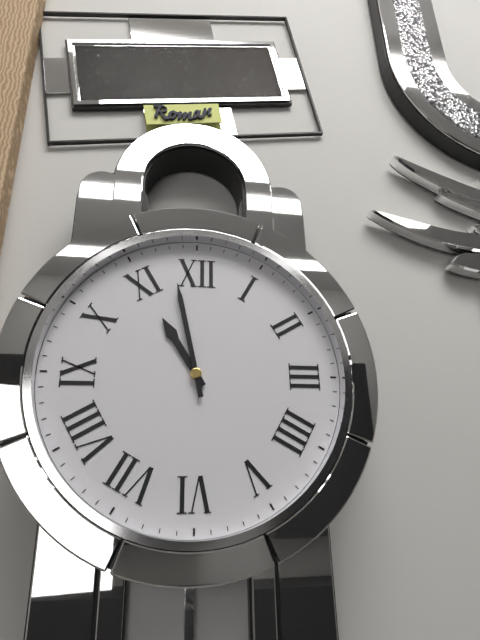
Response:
{"hour": 10, "minute": 58}
